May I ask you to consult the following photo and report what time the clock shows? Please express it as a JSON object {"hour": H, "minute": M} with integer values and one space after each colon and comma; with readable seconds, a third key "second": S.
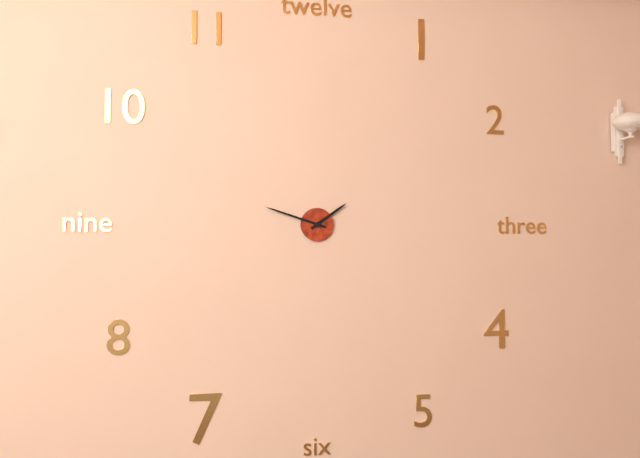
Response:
{"hour": 1, "minute": 48}
